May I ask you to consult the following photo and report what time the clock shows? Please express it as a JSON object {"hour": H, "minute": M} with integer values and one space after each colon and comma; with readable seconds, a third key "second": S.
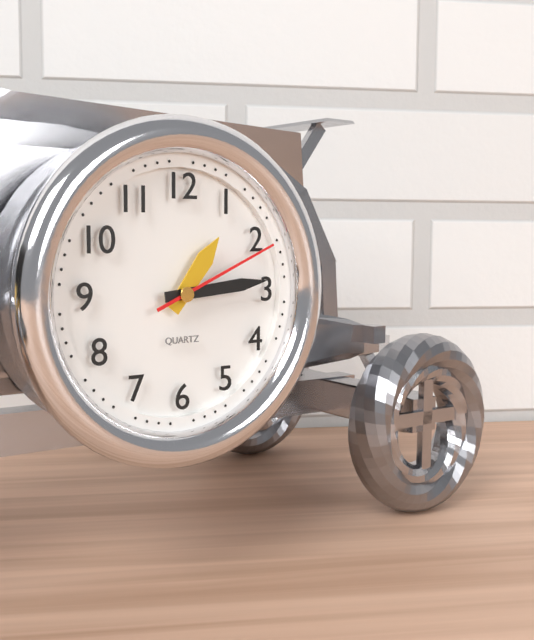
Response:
{"hour": 1, "minute": 14, "second": 11}
